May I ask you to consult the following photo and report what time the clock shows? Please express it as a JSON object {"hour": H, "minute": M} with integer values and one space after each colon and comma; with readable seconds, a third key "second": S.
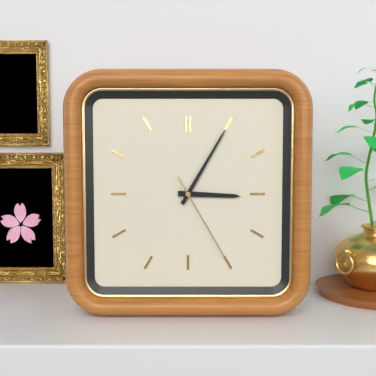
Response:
{"hour": 3, "minute": 5, "second": 25}
